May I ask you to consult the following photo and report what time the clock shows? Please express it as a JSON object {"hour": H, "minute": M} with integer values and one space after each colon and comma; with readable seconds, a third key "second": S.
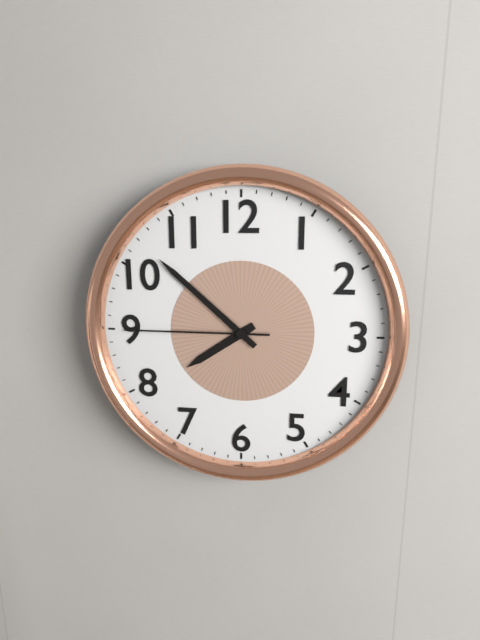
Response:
{"hour": 7, "minute": 52, "second": 45}
